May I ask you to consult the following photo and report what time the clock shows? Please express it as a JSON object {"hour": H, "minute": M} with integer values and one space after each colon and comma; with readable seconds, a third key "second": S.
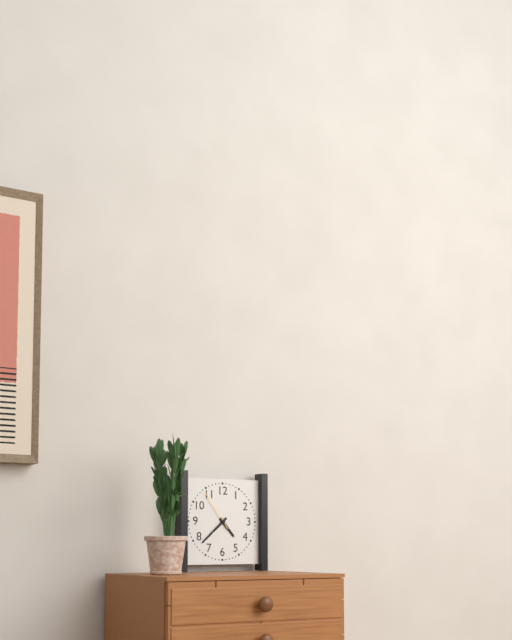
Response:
{"hour": 4, "minute": 38}
